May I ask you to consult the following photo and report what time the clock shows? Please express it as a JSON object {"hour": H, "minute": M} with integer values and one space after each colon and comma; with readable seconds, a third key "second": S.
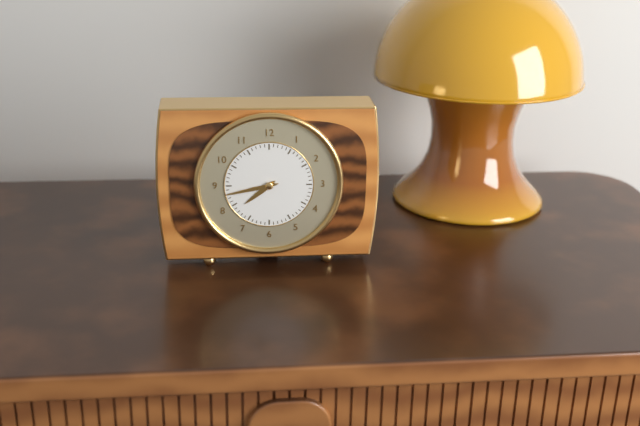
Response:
{"hour": 7, "minute": 43}
